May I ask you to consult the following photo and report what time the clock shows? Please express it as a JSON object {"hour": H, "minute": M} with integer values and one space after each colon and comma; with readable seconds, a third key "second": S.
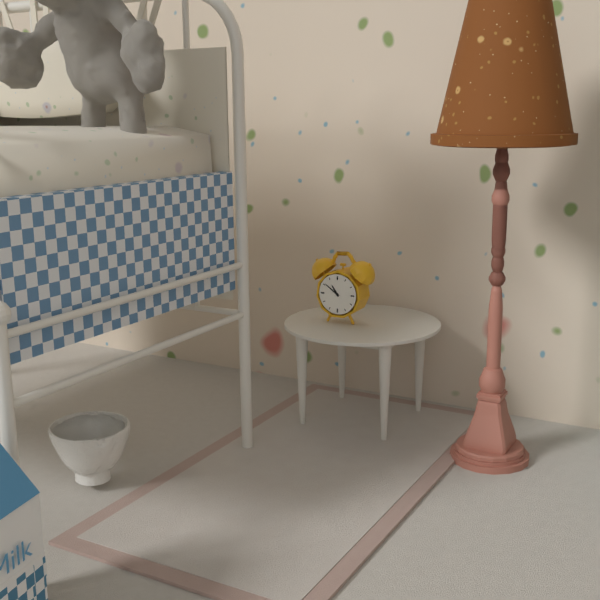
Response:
{"hour": 10, "minute": 51}
